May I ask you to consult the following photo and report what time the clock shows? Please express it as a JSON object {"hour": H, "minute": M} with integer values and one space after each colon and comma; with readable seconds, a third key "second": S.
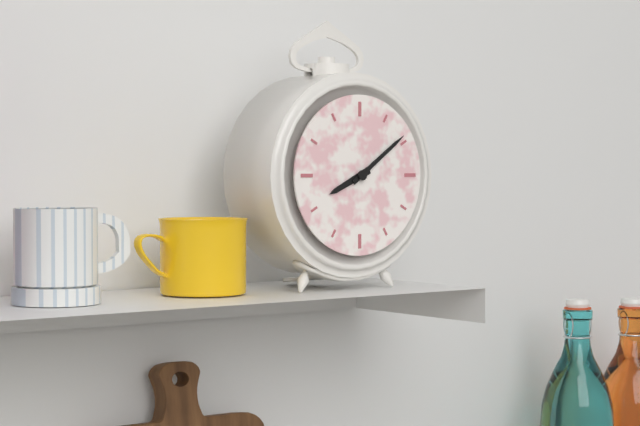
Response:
{"hour": 8, "minute": 9}
